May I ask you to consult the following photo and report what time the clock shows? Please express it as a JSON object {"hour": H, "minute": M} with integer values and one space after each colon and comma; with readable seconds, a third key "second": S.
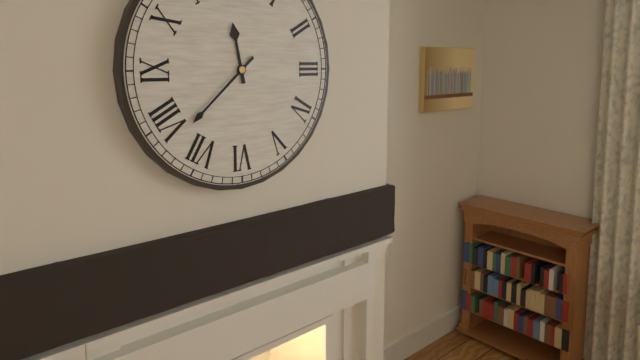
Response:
{"hour": 11, "minute": 38}
